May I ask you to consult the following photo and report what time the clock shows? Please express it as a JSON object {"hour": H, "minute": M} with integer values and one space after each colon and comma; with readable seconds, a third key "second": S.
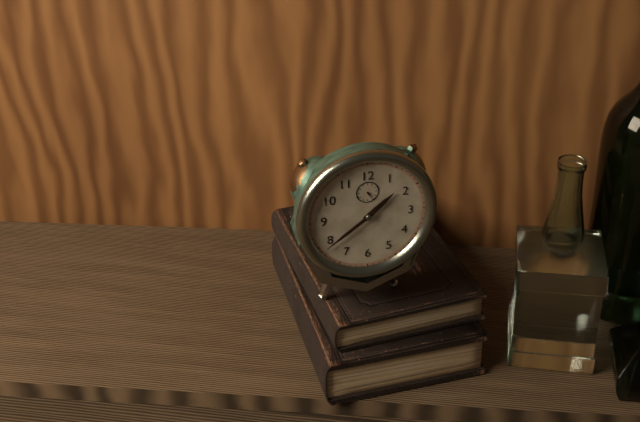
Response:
{"hour": 1, "minute": 39}
